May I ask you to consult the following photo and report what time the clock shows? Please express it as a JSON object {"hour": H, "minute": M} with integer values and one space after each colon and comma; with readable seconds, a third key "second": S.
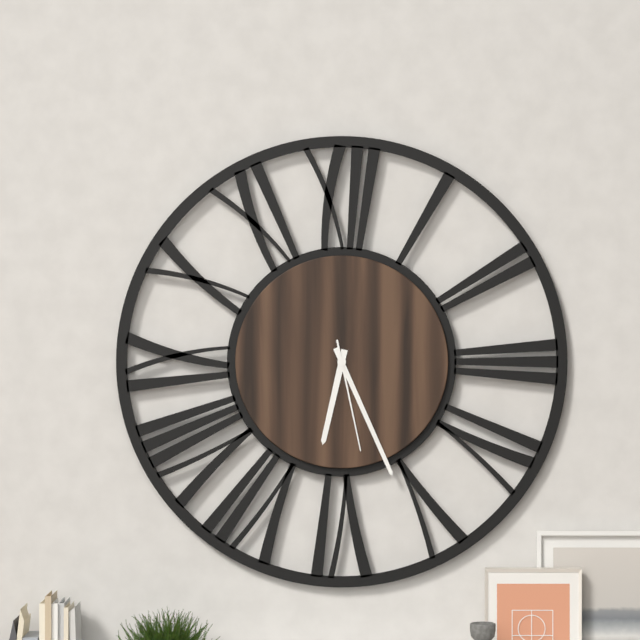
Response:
{"hour": 6, "minute": 26, "second": 28}
